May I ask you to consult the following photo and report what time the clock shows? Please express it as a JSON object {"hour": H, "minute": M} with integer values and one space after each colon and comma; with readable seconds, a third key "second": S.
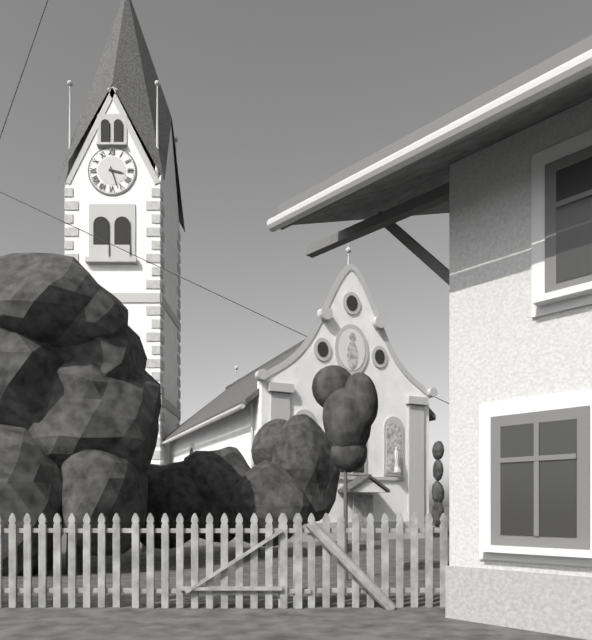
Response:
{"hour": 3, "minute": 27}
